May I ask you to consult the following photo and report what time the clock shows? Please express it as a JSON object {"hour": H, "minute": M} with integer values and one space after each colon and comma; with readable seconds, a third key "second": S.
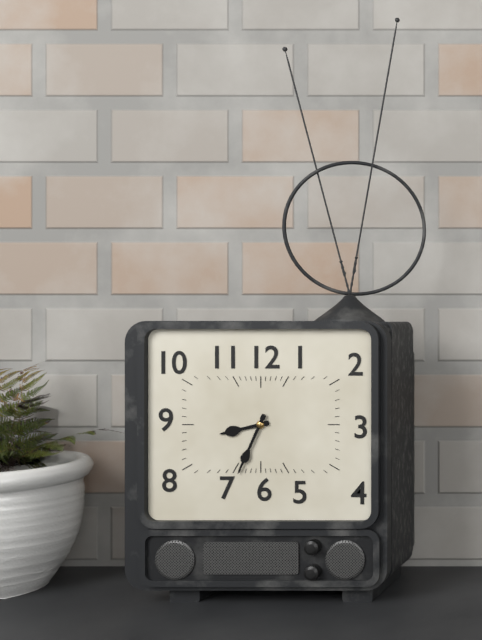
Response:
{"hour": 8, "minute": 34}
